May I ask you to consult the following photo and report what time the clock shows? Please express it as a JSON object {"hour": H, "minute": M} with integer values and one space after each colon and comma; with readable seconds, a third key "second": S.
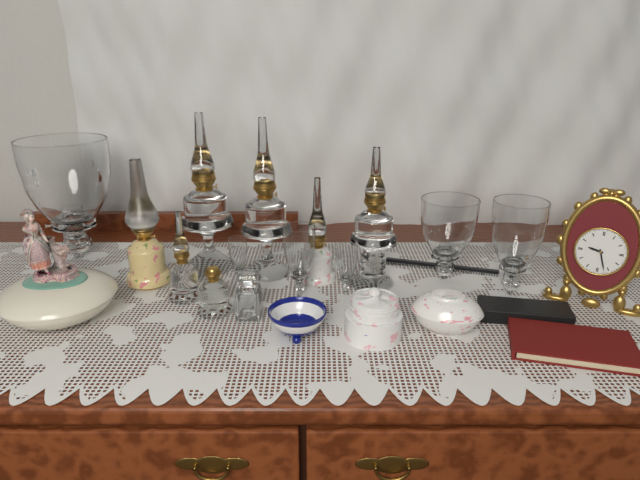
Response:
{"hour": 9, "minute": 27}
